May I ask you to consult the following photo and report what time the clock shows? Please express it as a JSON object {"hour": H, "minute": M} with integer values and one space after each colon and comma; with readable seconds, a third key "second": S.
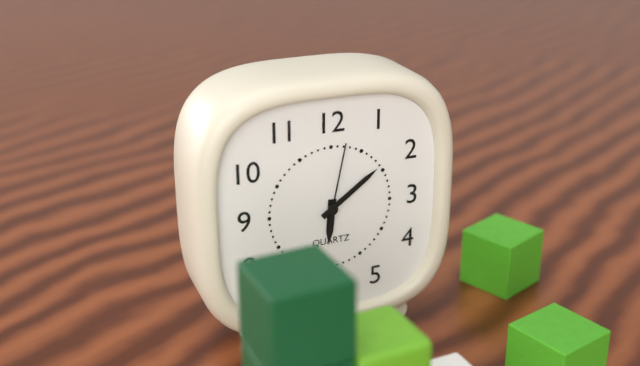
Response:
{"hour": 6, "minute": 9, "second": 2}
